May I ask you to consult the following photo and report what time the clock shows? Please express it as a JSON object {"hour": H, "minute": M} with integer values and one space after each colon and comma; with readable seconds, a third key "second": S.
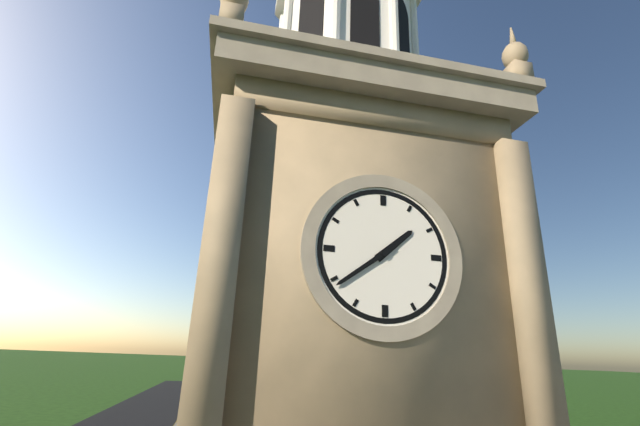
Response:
{"hour": 1, "minute": 39}
